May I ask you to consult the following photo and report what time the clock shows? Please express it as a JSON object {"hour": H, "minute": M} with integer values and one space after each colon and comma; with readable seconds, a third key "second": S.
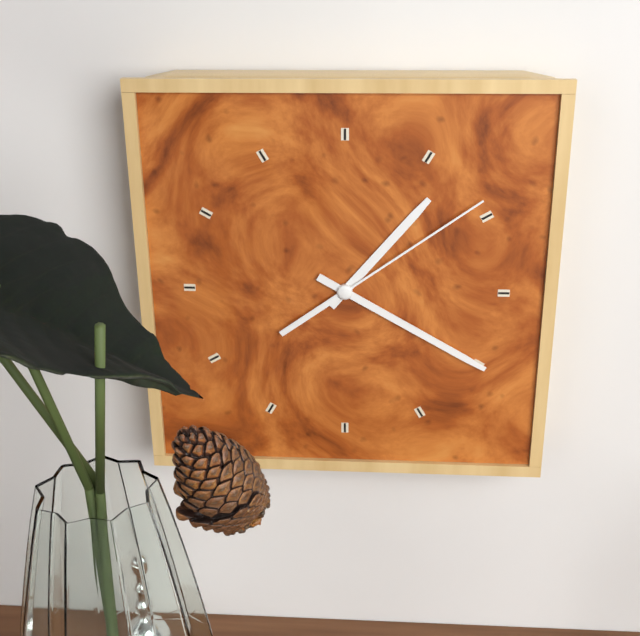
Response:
{"hour": 1, "minute": 20, "second": 9}
